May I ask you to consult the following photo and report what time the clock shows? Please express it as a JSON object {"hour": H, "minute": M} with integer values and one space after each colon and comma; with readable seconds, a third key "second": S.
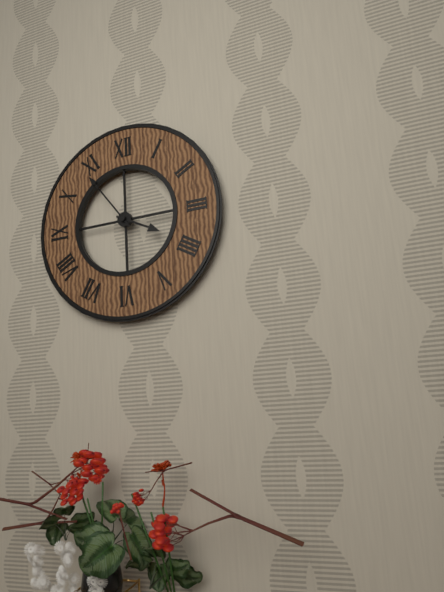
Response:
{"hour": 3, "minute": 54}
